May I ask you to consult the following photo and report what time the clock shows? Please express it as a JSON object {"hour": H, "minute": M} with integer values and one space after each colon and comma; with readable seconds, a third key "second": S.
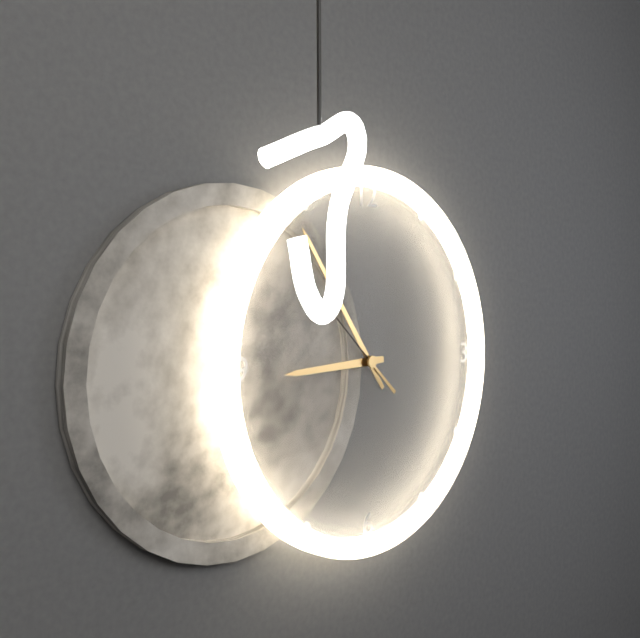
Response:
{"hour": 8, "minute": 54}
